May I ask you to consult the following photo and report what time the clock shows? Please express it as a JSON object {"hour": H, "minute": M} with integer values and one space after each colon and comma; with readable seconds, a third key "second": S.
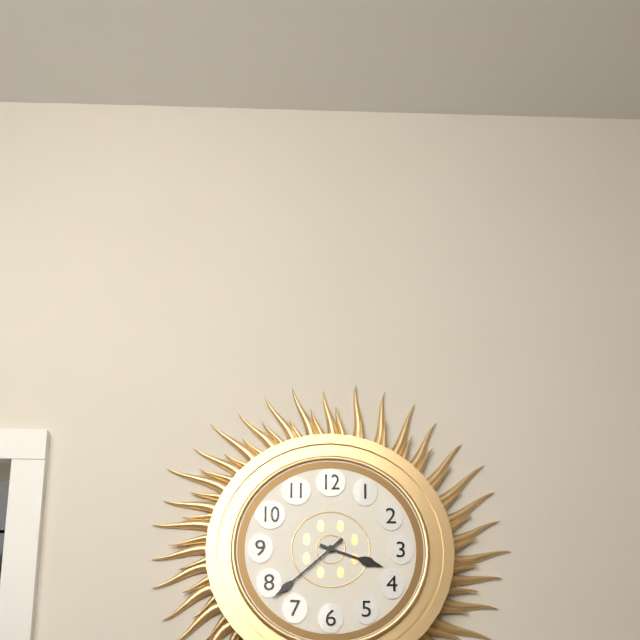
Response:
{"hour": 3, "minute": 38}
